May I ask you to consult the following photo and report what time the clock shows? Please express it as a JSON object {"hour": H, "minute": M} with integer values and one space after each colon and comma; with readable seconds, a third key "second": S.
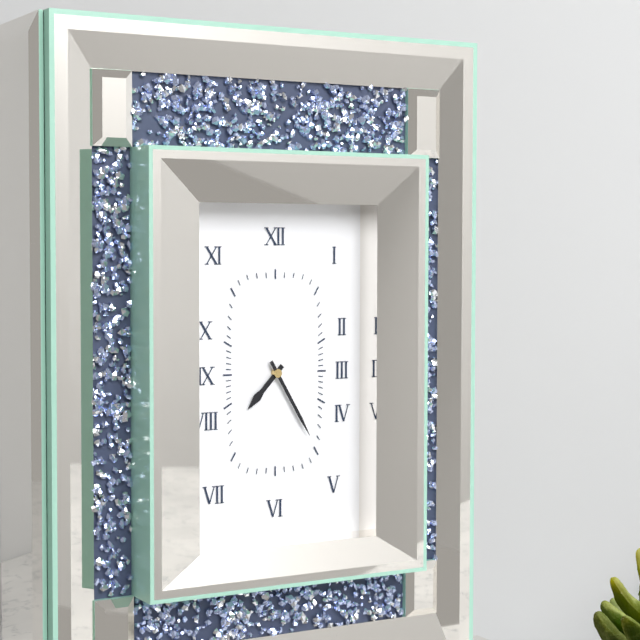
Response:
{"hour": 7, "minute": 25}
